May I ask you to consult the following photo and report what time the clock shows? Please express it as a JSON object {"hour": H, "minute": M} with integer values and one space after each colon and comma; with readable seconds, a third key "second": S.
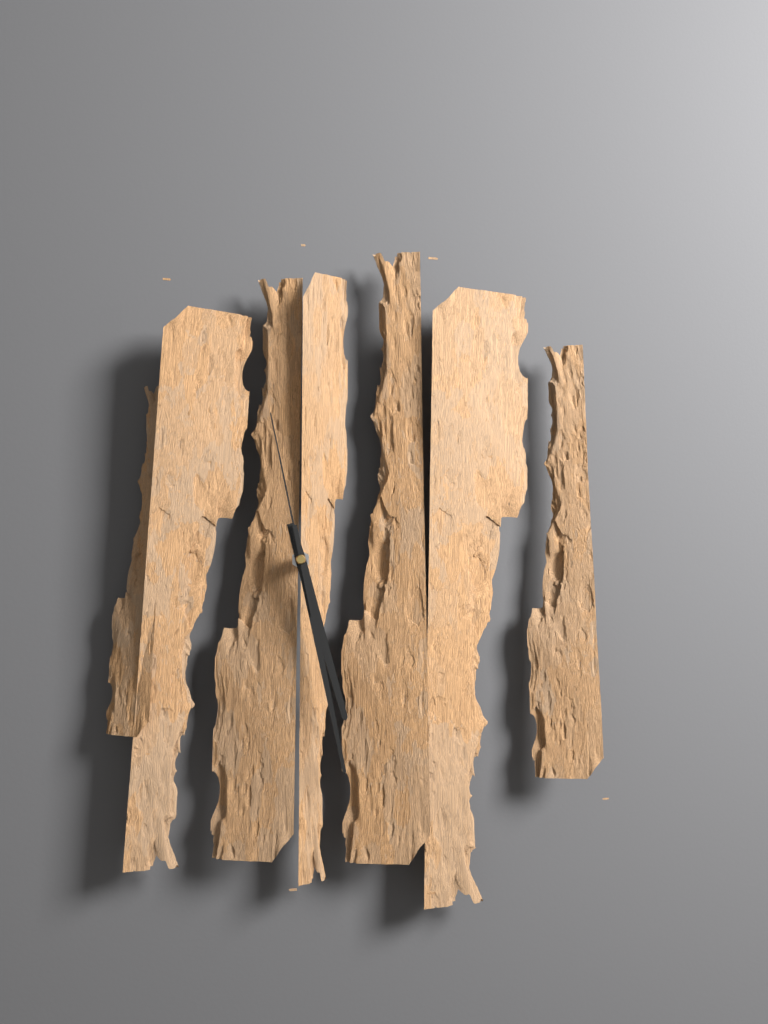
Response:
{"hour": 5, "minute": 28, "second": 58}
